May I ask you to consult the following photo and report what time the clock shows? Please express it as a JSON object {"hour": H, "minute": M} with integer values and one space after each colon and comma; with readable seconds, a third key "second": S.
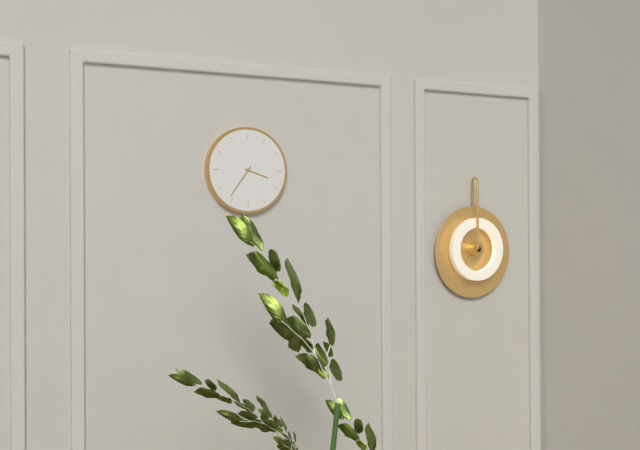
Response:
{"hour": 3, "minute": 36}
